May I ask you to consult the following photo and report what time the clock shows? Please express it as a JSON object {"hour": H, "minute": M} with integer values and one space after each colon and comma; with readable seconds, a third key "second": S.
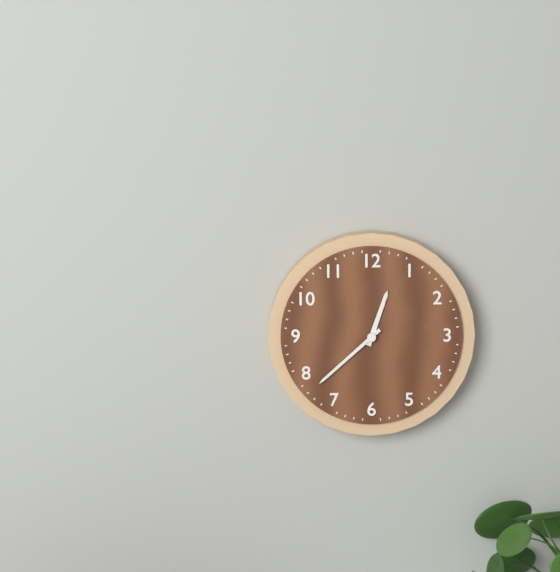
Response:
{"hour": 12, "minute": 38}
